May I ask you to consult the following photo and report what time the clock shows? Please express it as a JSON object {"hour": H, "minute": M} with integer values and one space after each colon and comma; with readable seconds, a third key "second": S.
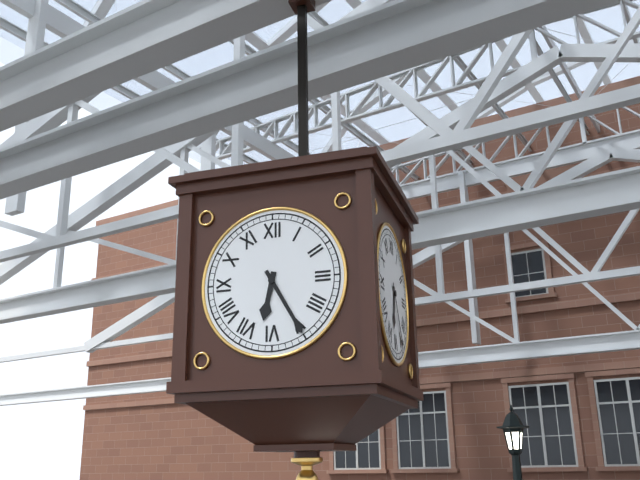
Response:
{"hour": 6, "minute": 25}
